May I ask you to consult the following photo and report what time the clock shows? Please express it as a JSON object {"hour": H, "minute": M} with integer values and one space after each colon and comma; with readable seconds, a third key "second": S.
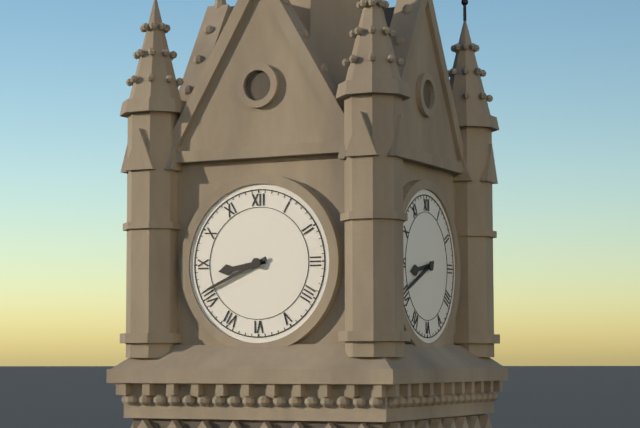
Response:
{"hour": 8, "minute": 41}
